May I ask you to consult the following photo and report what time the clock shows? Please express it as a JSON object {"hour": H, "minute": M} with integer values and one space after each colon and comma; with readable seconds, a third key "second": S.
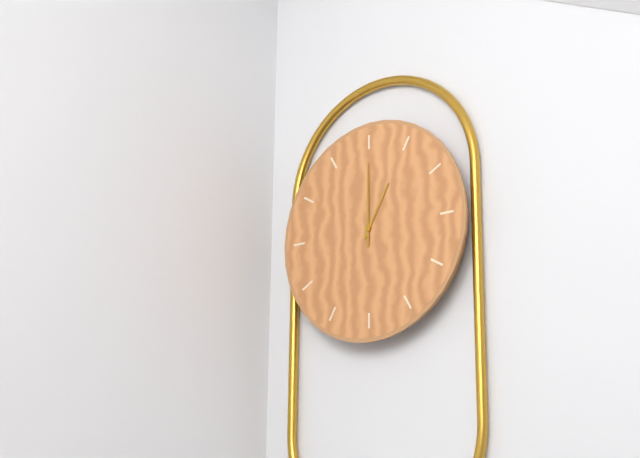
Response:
{"hour": 1, "minute": 0}
